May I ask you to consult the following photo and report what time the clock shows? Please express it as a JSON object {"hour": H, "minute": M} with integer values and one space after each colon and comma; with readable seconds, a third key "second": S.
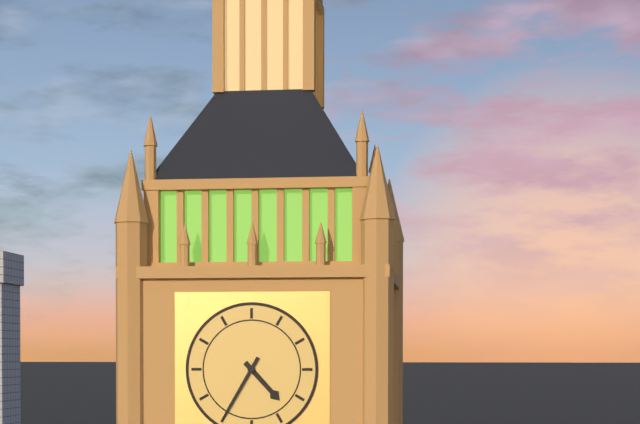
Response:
{"hour": 4, "minute": 35}
